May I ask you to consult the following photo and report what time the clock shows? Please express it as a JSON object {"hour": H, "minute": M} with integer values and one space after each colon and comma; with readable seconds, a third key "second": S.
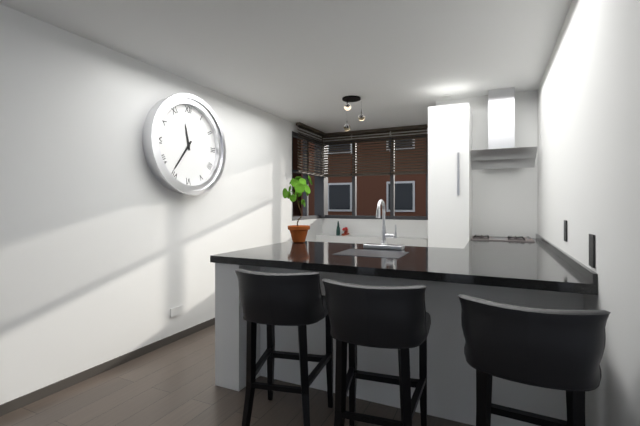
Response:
{"hour": 11, "minute": 36}
